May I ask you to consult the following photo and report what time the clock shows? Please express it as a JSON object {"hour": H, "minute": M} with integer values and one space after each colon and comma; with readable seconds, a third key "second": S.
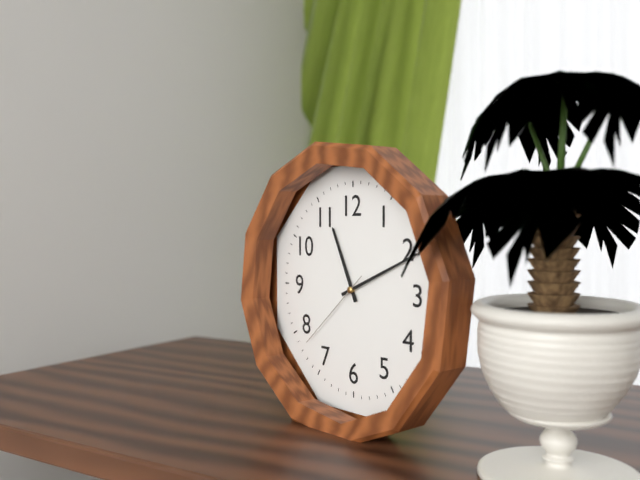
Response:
{"hour": 11, "minute": 11, "second": 38}
